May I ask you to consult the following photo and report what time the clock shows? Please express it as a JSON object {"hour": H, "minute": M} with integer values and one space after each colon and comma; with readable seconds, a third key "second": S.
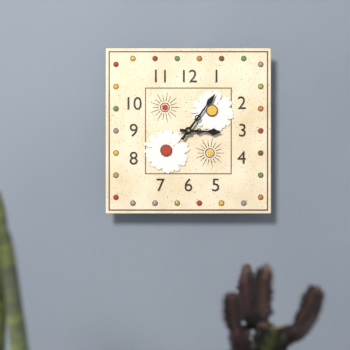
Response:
{"hour": 3, "minute": 6}
